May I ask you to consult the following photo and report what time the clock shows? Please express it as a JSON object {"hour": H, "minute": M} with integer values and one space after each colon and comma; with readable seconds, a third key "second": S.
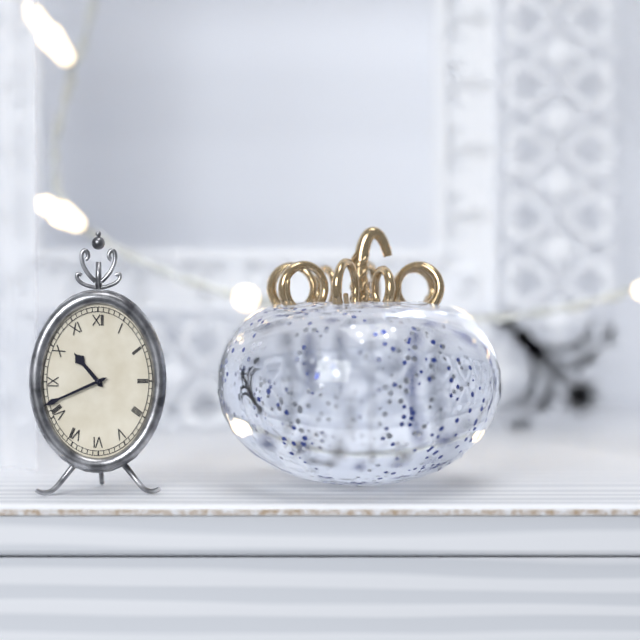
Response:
{"hour": 10, "minute": 41}
